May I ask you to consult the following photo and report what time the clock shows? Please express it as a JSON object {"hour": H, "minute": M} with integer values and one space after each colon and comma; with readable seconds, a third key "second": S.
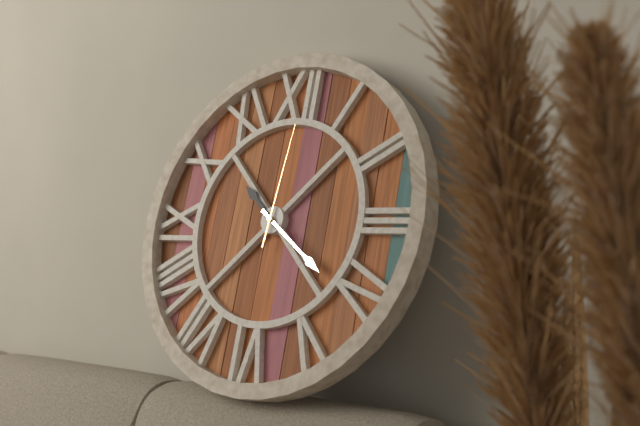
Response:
{"hour": 10, "minute": 21, "second": 1}
